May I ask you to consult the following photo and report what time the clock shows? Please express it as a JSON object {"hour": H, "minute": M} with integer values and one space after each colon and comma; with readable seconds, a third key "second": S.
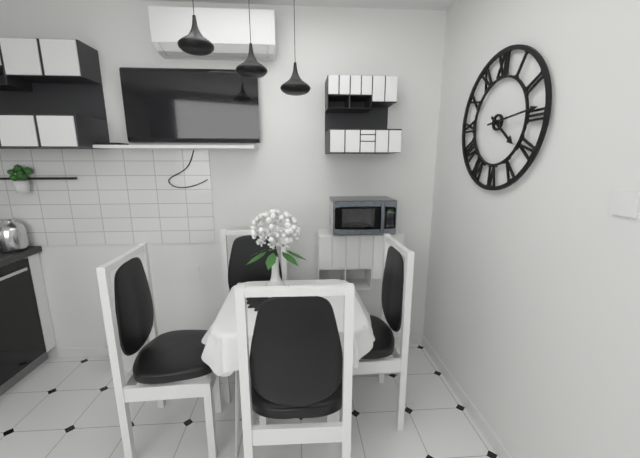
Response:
{"hour": 4, "minute": 14}
